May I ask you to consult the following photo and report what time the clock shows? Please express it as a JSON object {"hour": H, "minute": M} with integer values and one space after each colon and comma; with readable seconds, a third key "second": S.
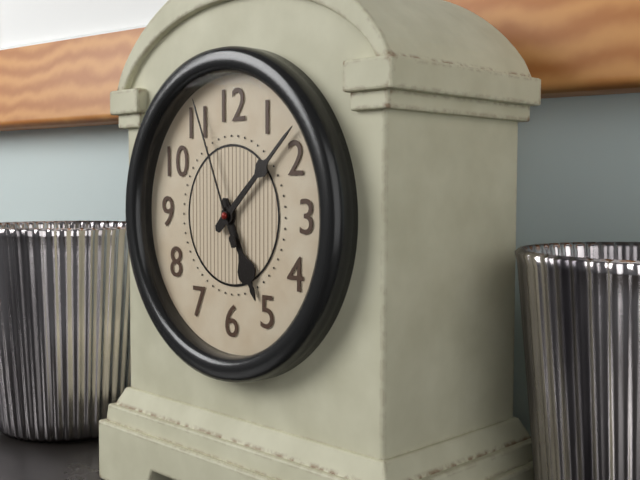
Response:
{"hour": 5, "minute": 8, "second": 56}
